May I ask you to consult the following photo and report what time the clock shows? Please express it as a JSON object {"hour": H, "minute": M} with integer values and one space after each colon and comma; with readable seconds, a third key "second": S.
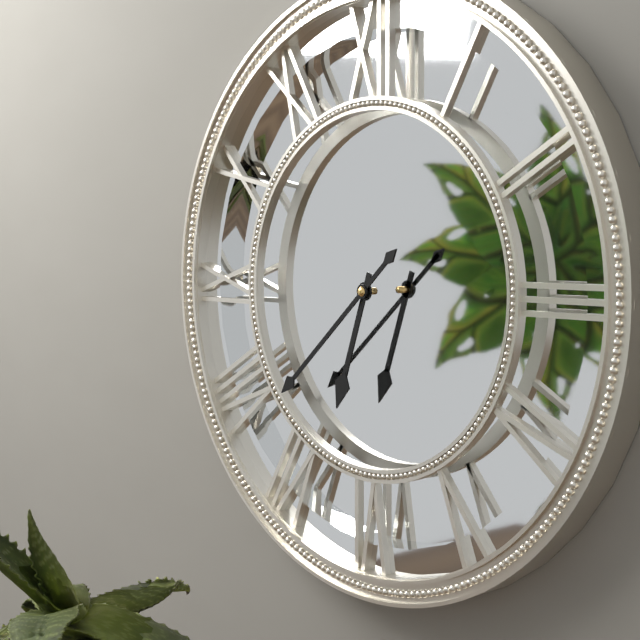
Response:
{"hour": 6, "minute": 38}
